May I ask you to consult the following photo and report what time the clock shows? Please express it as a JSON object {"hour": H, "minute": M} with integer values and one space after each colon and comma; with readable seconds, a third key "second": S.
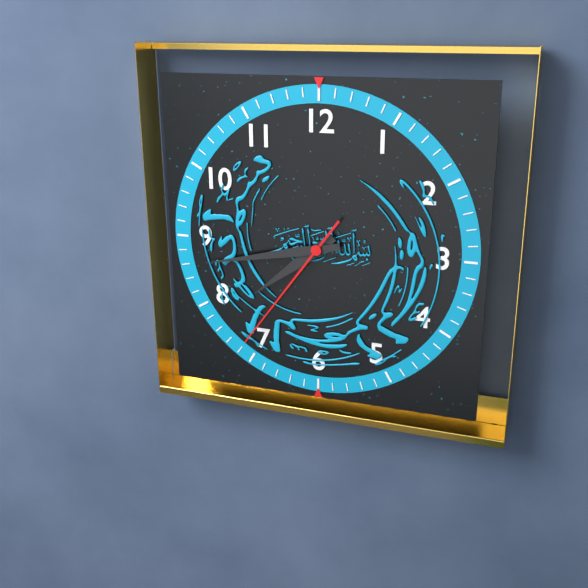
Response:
{"hour": 7, "minute": 43, "second": 36}
